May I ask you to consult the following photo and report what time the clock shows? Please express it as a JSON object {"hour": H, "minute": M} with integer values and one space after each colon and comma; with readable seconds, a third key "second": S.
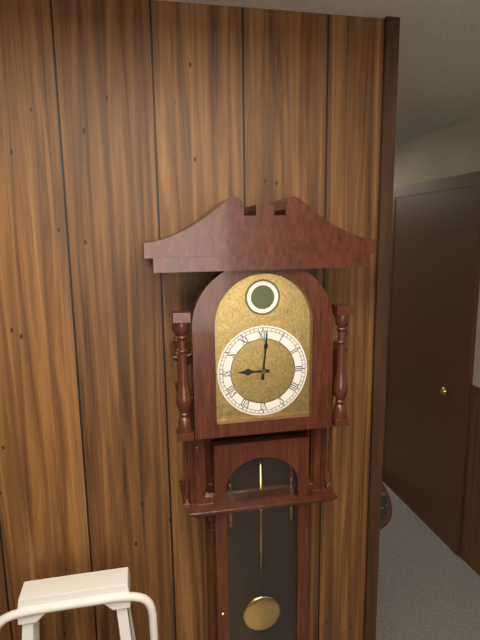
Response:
{"hour": 9, "minute": 1}
